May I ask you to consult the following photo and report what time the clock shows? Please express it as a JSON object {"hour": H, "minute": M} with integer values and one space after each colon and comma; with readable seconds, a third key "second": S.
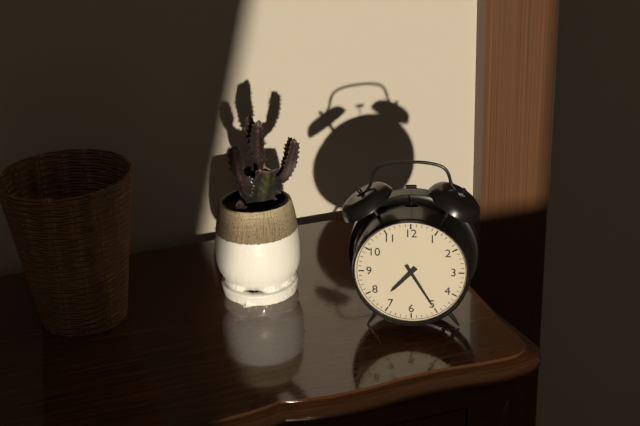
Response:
{"hour": 7, "minute": 25}
